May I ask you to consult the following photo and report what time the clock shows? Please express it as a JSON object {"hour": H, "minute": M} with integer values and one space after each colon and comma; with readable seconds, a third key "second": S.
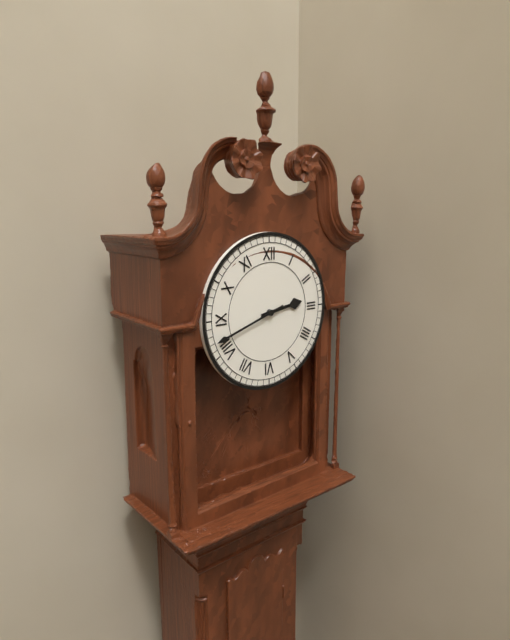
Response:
{"hour": 2, "minute": 42}
